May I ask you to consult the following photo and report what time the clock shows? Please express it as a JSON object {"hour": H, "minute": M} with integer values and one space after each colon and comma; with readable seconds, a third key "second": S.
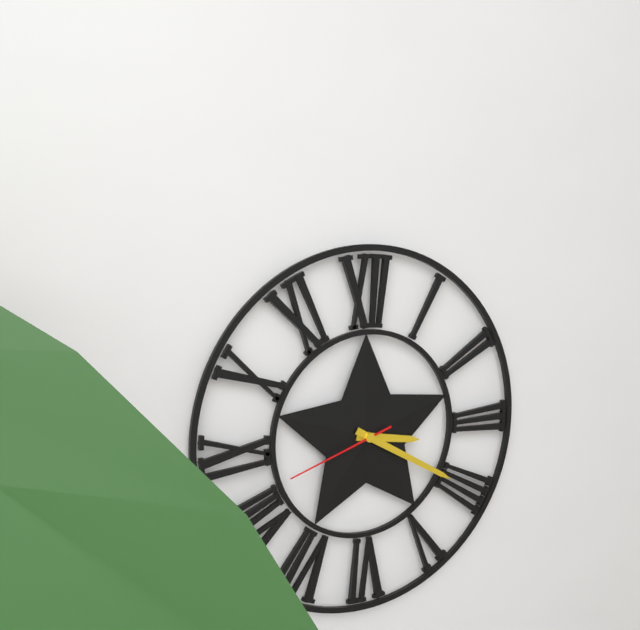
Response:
{"hour": 3, "minute": 20, "second": 42}
